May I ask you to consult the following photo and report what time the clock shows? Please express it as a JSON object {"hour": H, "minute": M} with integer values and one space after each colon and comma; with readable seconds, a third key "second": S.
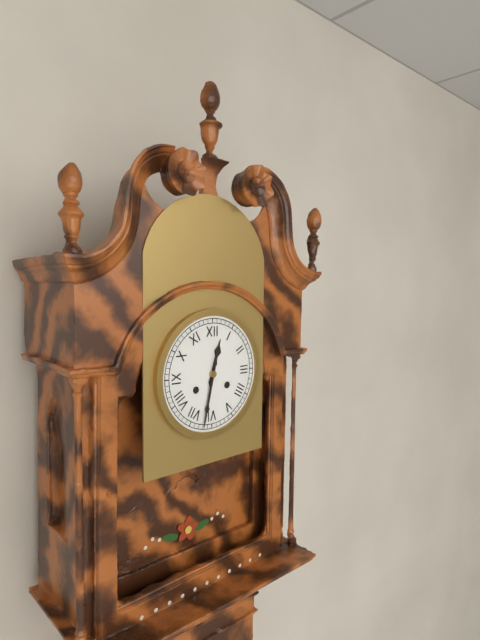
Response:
{"hour": 12, "minute": 32}
